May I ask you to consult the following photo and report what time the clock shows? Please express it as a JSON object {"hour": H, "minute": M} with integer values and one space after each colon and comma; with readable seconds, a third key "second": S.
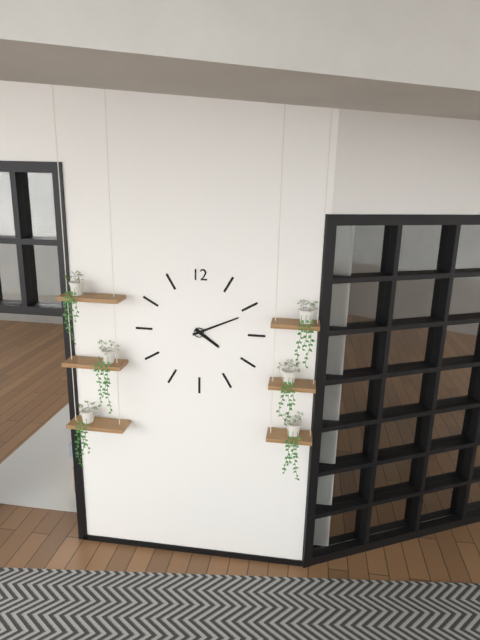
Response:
{"hour": 4, "minute": 11}
